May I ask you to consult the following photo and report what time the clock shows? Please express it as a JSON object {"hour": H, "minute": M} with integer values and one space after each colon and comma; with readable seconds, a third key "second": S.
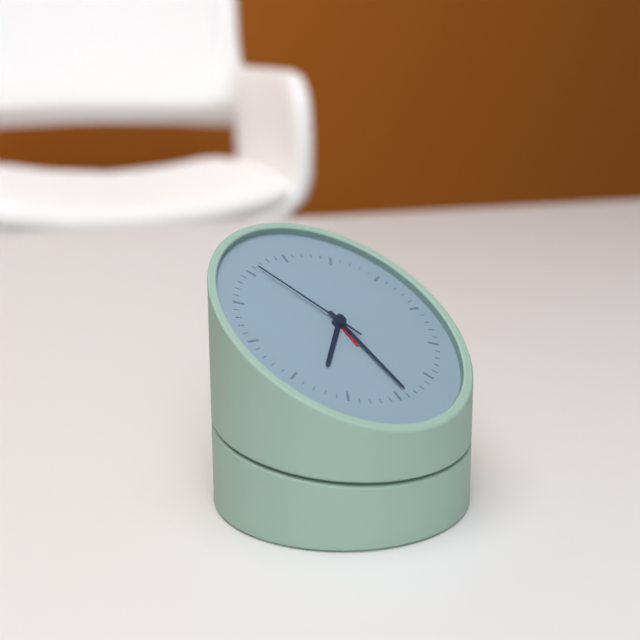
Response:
{"hour": 7, "minute": 29, "second": 56}
